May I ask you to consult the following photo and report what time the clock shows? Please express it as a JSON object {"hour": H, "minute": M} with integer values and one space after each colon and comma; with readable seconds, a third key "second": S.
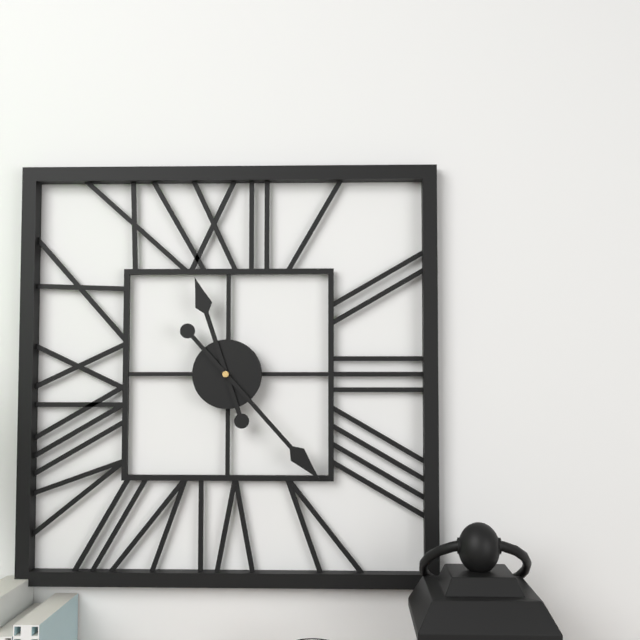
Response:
{"hour": 11, "minute": 23}
